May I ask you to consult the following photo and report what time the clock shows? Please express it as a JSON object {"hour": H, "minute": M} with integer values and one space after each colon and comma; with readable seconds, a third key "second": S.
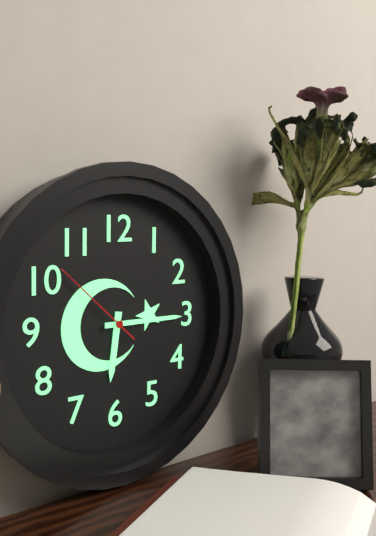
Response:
{"hour": 6, "minute": 15, "second": 52}
